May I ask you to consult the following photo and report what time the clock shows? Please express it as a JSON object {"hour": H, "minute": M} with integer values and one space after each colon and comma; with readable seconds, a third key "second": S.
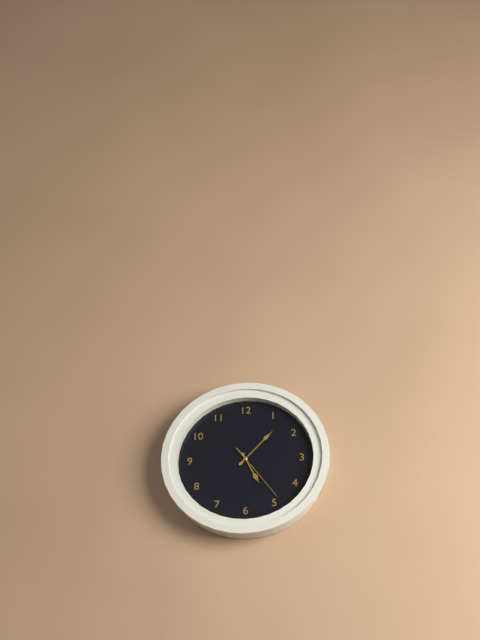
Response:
{"hour": 5, "minute": 7, "second": 24}
